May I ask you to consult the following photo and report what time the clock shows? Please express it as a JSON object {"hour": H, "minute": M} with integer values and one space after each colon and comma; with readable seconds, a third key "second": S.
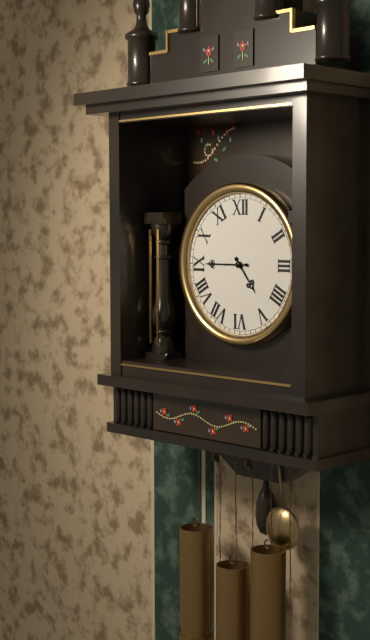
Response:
{"hour": 4, "minute": 45}
